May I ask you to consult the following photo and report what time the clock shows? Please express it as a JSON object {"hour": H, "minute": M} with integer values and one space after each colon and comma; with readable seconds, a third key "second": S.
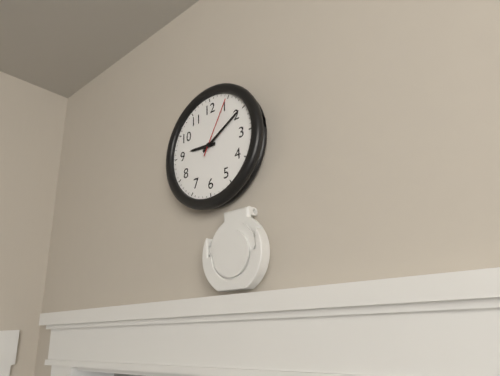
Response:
{"hour": 9, "minute": 10, "second": 5}
